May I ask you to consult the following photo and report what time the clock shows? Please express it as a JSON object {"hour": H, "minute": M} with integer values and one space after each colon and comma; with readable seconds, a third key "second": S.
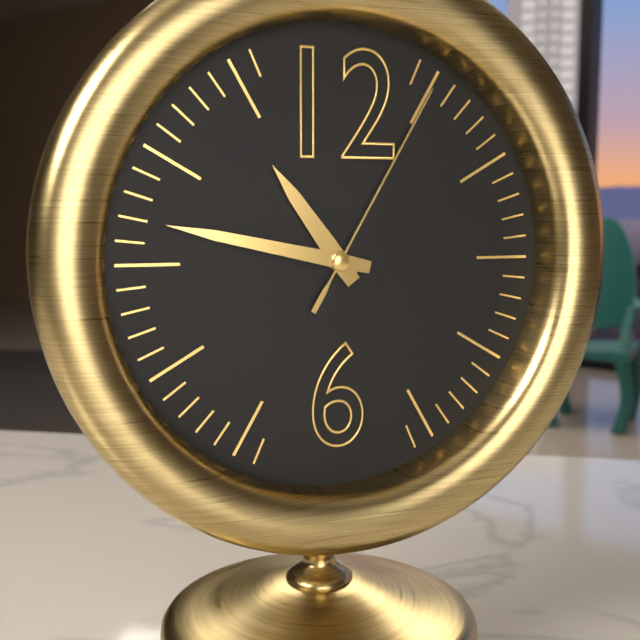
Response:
{"hour": 10, "minute": 47, "second": 5}
